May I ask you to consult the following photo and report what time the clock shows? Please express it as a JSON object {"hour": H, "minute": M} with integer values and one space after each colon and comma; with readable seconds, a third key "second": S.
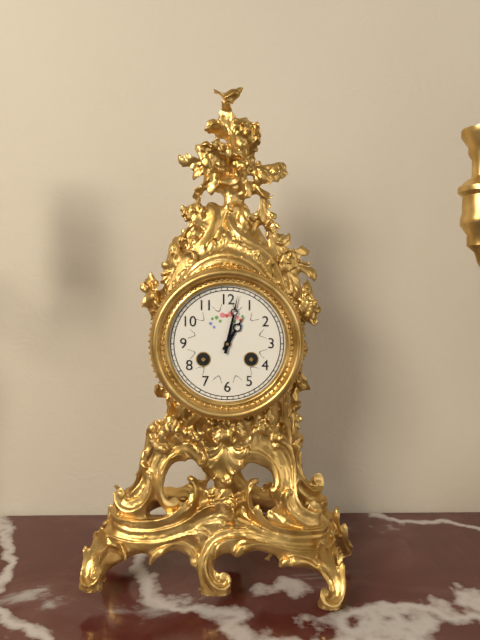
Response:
{"hour": 1, "minute": 2}
